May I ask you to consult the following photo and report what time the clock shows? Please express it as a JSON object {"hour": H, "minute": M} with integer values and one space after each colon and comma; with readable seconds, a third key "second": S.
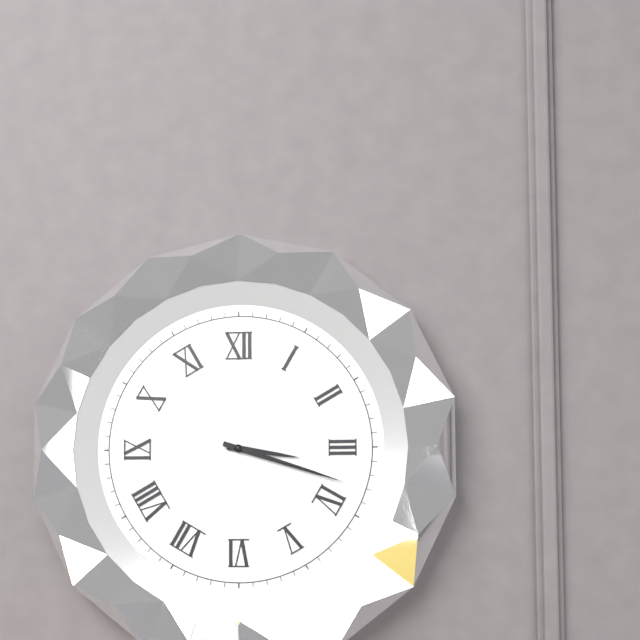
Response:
{"hour": 3, "minute": 18}
